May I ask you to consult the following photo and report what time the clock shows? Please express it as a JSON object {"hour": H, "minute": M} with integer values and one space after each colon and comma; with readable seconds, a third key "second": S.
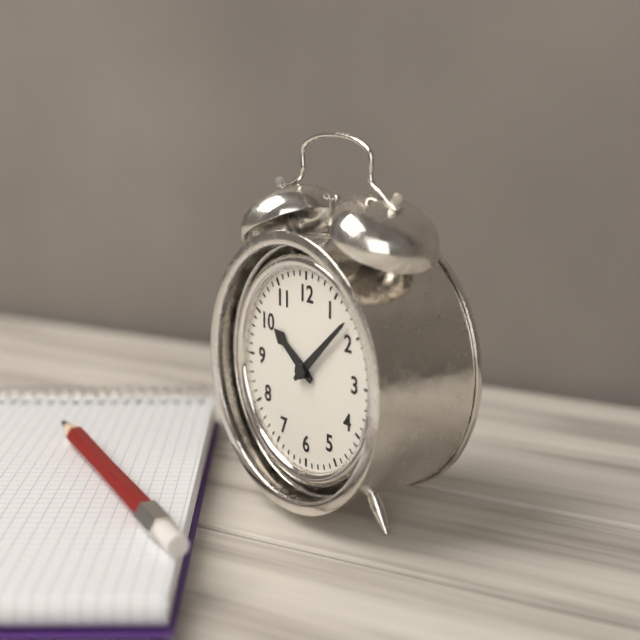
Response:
{"hour": 10, "minute": 8}
